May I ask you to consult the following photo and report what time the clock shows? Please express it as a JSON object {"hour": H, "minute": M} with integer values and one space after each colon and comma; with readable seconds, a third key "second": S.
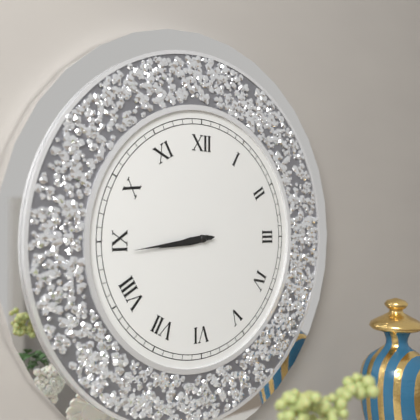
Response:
{"hour": 8, "minute": 44}
